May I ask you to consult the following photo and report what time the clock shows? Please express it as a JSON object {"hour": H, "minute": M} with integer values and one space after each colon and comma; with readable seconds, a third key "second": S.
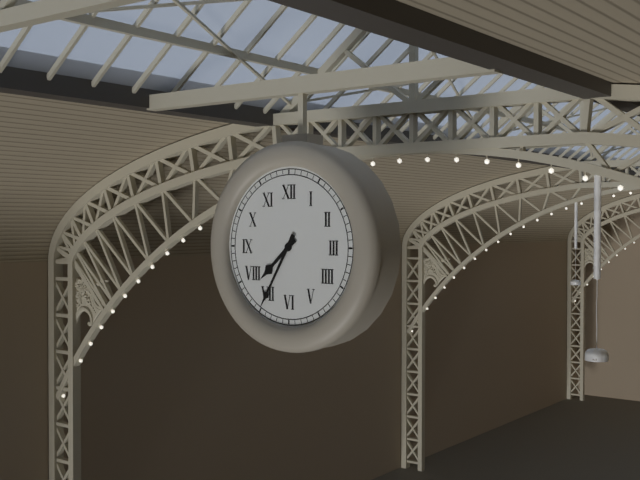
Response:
{"hour": 7, "minute": 35}
